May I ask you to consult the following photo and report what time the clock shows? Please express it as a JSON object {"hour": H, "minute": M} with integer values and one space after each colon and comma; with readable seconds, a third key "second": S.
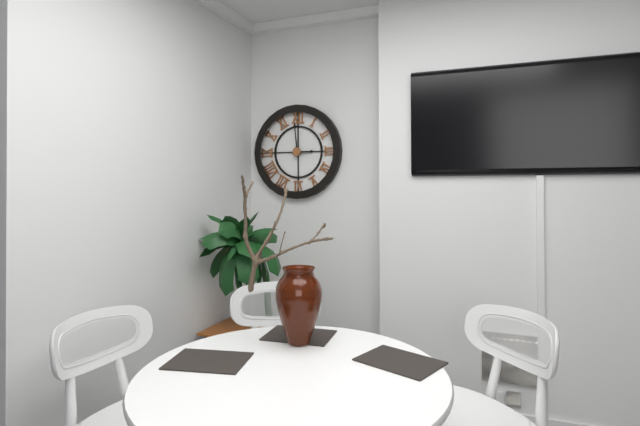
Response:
{"hour": 2, "minute": 59}
